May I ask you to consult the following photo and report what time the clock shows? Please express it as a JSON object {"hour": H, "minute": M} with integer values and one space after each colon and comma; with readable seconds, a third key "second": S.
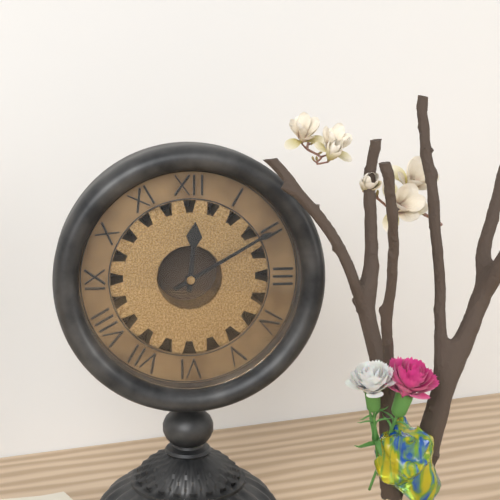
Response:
{"hour": 12, "minute": 10}
